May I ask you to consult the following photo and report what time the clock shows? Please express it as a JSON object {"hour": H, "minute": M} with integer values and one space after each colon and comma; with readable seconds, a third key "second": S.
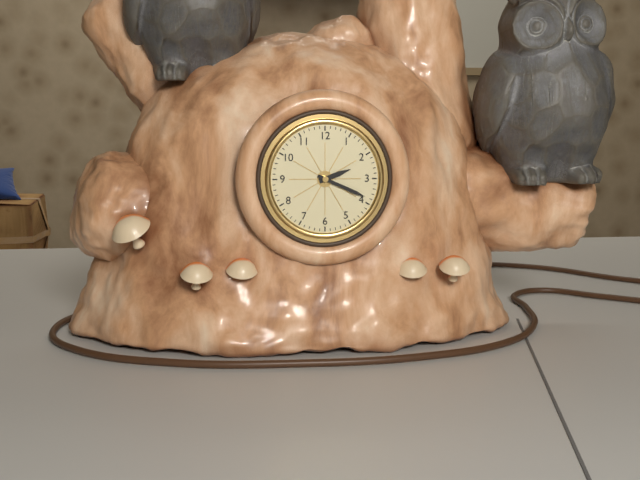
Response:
{"hour": 2, "minute": 19}
